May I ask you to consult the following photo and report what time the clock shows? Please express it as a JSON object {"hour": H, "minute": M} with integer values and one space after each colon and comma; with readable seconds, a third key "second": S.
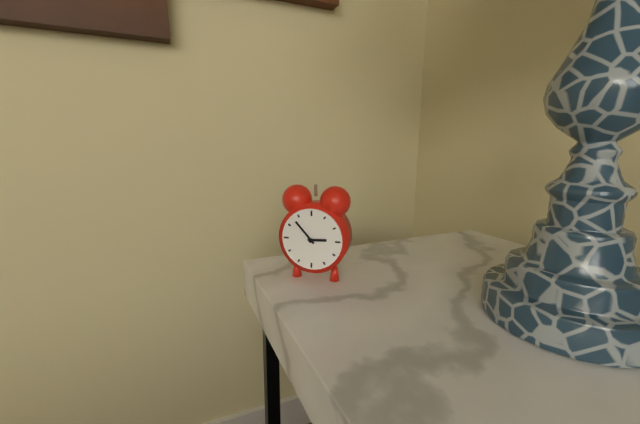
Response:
{"hour": 2, "minute": 53}
